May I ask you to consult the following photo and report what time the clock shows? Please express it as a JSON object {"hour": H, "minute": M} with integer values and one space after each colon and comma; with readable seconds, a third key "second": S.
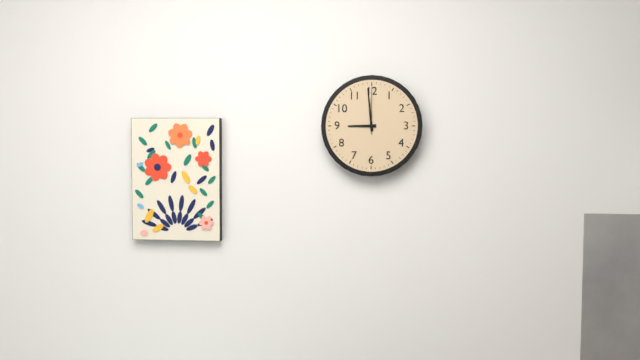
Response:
{"hour": 8, "minute": 59, "second": 0}
